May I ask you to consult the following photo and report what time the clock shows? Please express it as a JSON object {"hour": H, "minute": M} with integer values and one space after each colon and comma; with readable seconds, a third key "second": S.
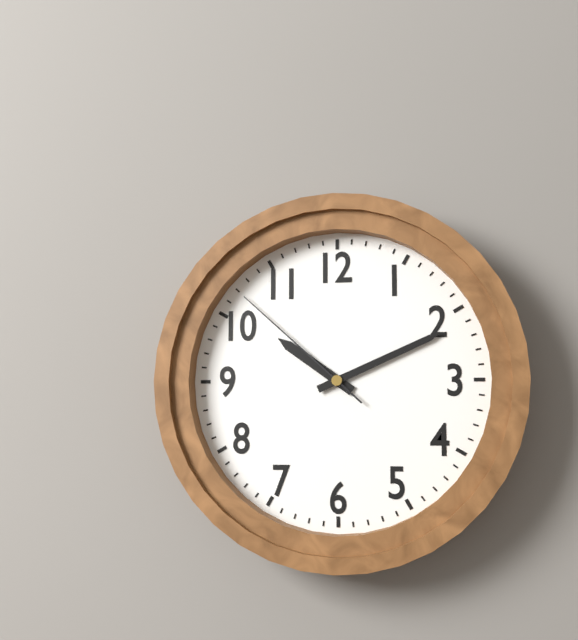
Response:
{"hour": 10, "minute": 11, "second": 52}
